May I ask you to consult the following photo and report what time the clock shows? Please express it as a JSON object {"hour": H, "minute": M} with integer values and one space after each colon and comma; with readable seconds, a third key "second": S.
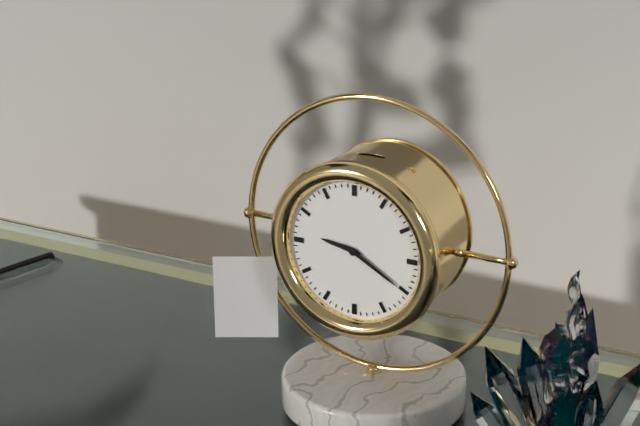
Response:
{"hour": 9, "minute": 20}
